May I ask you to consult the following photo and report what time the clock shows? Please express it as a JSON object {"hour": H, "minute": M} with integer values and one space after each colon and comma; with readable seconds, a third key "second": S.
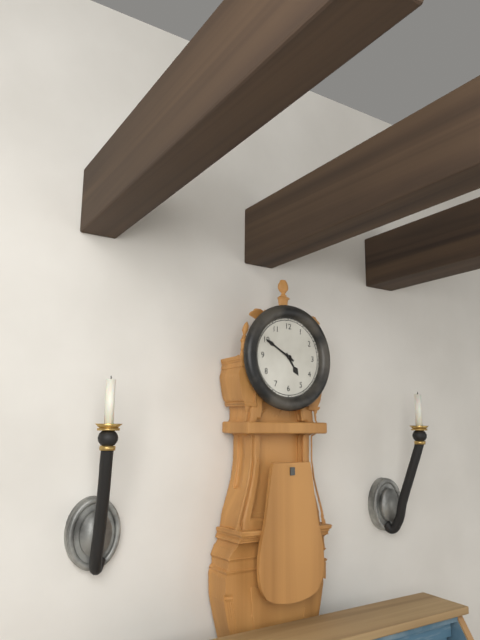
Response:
{"hour": 4, "minute": 50}
